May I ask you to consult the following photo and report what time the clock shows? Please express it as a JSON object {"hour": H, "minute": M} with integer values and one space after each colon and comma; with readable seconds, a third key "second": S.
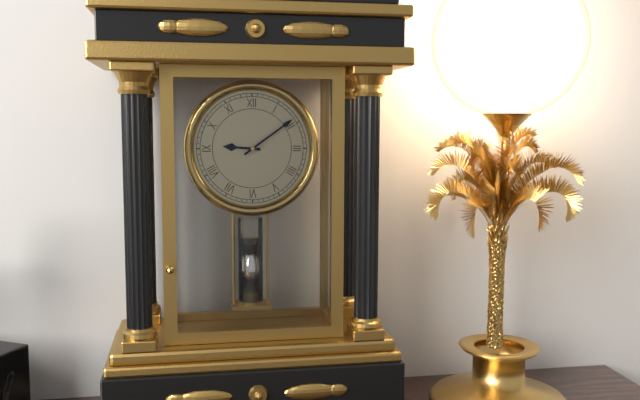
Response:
{"hour": 9, "minute": 9}
